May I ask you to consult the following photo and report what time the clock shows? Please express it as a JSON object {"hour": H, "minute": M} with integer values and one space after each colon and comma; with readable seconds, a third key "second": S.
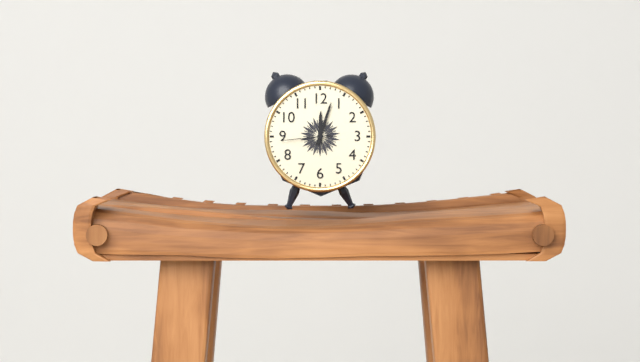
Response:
{"hour": 12, "minute": 3, "second": 44}
